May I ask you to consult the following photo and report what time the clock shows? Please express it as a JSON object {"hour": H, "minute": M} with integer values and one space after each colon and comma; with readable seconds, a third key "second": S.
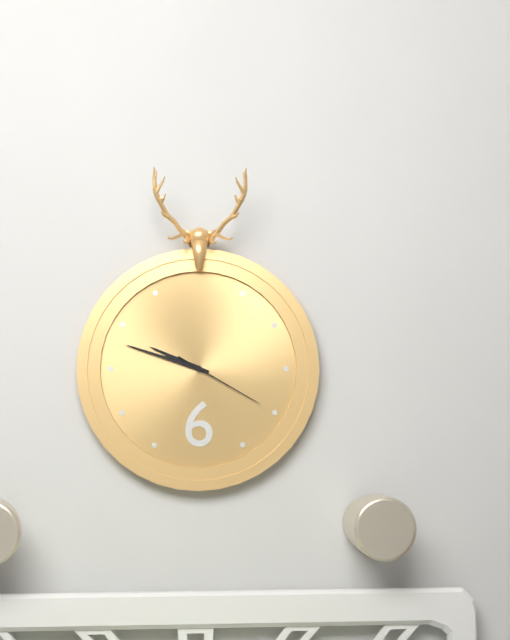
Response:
{"hour": 9, "minute": 48, "second": 20}
